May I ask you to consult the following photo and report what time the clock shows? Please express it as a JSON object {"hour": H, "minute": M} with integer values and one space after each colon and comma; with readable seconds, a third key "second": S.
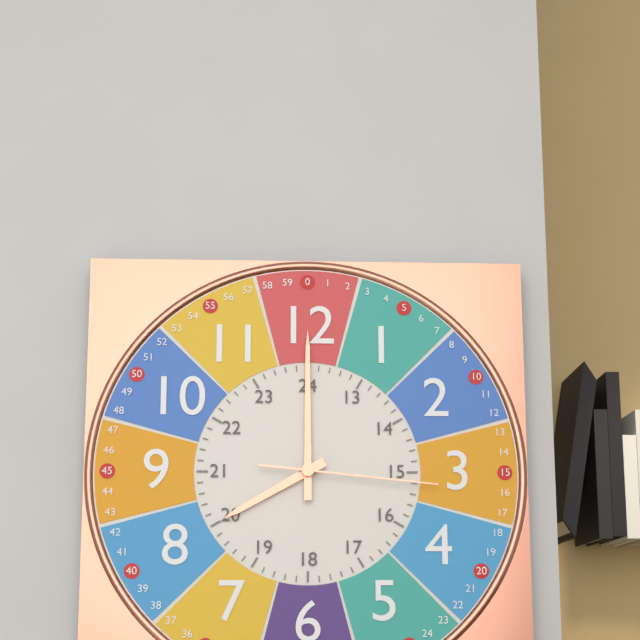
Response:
{"hour": 8, "minute": 0, "second": 16}
